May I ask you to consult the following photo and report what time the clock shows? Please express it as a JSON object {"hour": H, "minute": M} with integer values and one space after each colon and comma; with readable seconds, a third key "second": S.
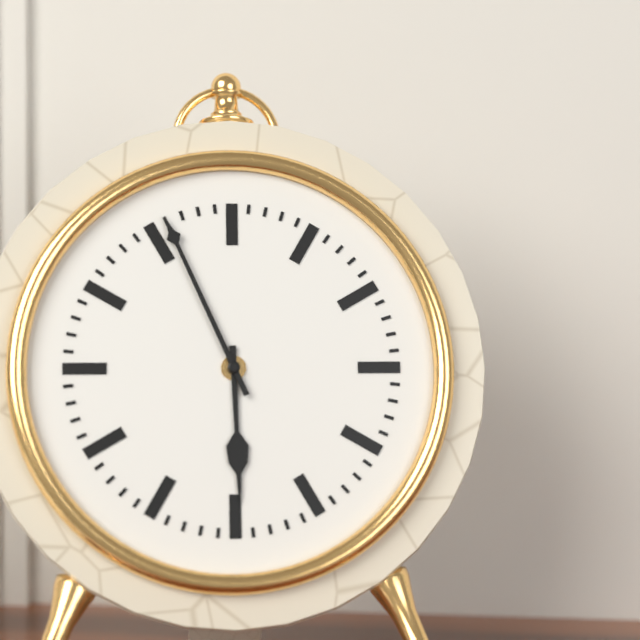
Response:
{"hour": 5, "minute": 56}
